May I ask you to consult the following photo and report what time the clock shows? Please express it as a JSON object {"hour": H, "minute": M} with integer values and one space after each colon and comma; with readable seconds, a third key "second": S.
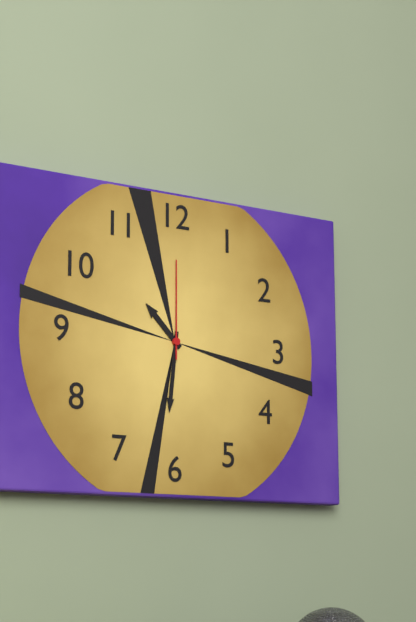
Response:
{"hour": 10, "minute": 31, "second": 0}
